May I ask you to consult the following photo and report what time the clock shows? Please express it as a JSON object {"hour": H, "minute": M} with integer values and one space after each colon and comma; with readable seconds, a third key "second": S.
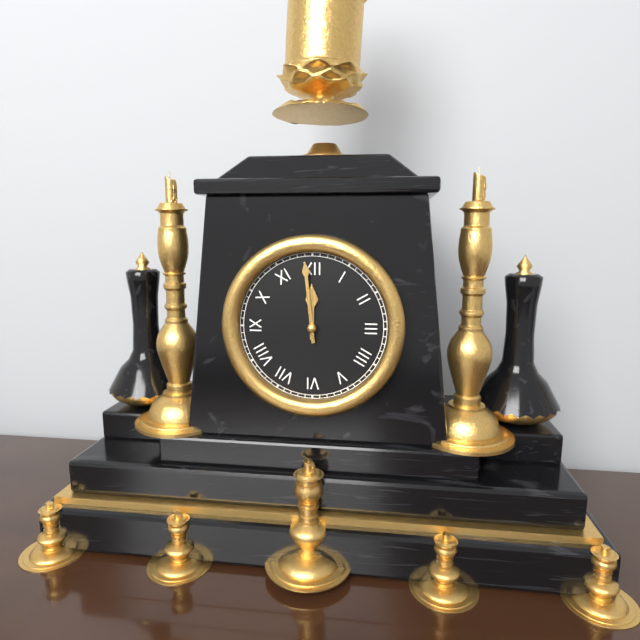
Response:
{"hour": 11, "minute": 59}
